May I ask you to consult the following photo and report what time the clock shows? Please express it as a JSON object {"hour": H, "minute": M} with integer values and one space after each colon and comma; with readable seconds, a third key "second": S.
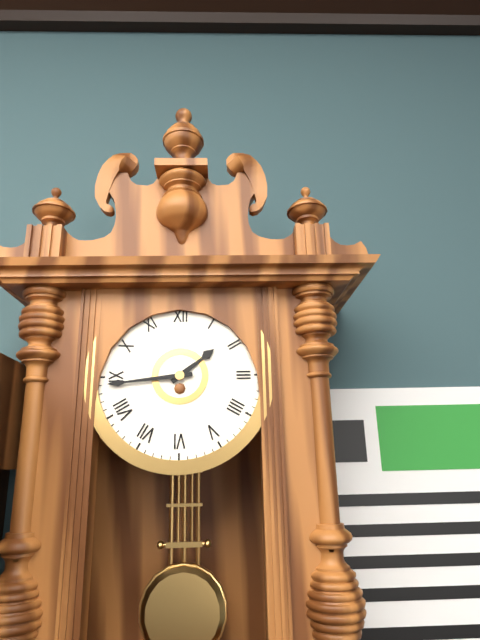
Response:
{"hour": 1, "minute": 44}
